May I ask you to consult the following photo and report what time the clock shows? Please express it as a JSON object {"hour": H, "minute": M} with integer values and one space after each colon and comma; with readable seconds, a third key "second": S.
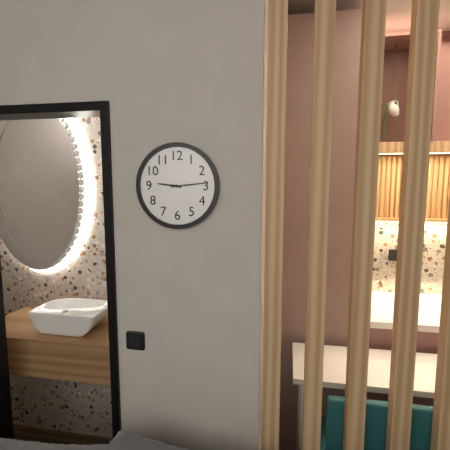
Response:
{"hour": 9, "minute": 14}
